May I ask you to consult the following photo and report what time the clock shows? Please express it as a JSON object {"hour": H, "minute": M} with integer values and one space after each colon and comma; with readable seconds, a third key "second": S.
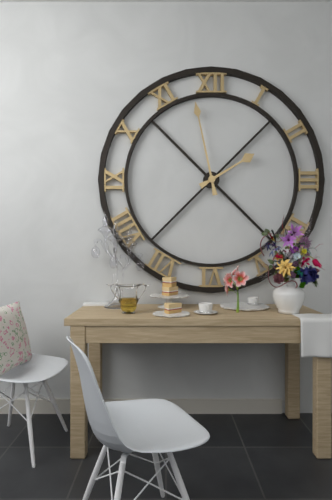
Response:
{"hour": 1, "minute": 58}
